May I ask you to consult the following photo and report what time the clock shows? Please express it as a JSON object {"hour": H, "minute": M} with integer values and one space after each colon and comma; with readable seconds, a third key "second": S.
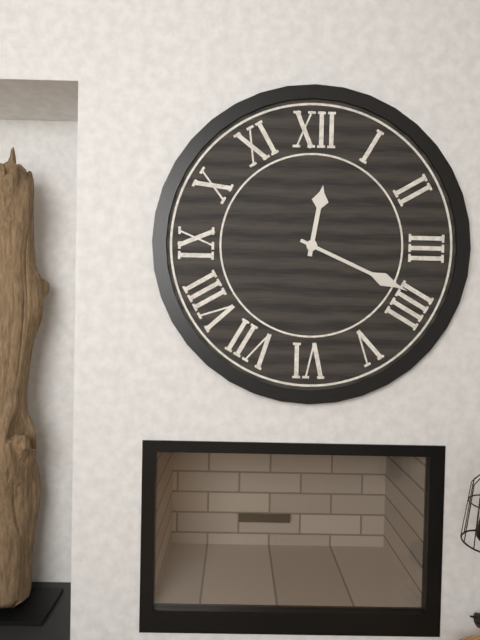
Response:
{"hour": 12, "minute": 19}
